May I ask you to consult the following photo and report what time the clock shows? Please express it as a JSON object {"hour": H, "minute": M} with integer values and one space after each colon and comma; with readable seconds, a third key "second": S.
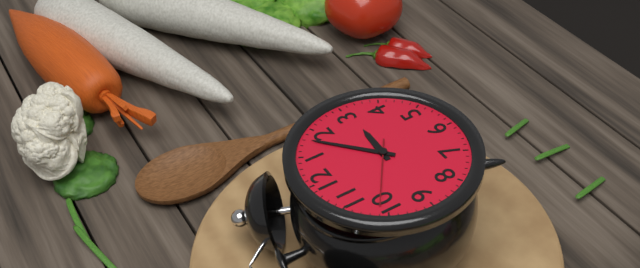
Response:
{"hour": 3, "minute": 8, "second": 51}
